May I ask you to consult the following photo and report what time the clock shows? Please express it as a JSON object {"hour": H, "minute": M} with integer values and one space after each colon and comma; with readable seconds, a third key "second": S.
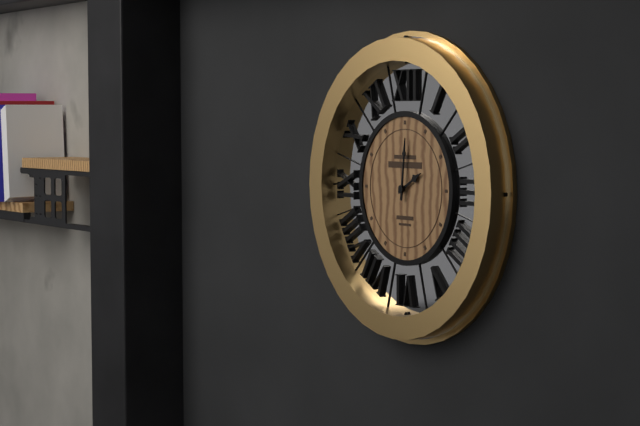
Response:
{"hour": 2, "minute": 1}
